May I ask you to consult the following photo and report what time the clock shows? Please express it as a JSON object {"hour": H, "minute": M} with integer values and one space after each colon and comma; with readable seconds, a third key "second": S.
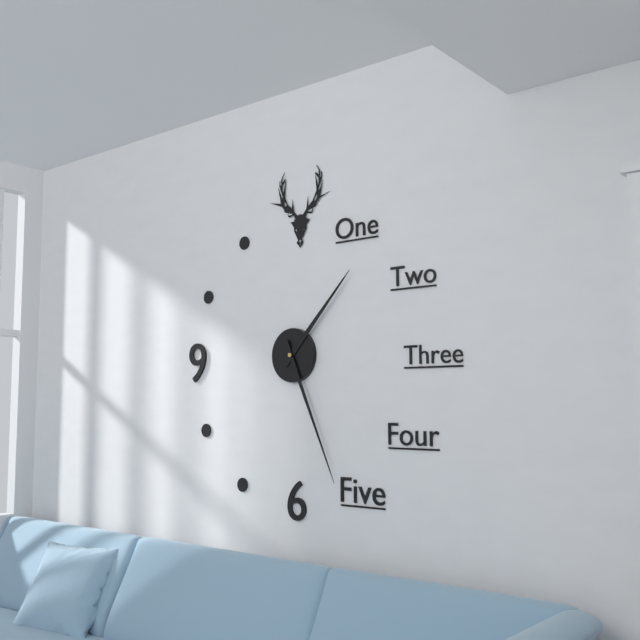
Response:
{"hour": 1, "minute": 26}
